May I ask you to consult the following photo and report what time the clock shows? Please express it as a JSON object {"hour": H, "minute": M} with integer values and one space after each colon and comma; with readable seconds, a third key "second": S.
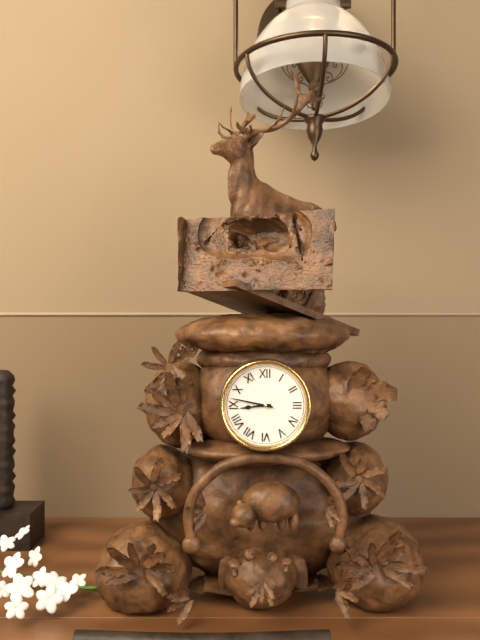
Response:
{"hour": 8, "minute": 47}
